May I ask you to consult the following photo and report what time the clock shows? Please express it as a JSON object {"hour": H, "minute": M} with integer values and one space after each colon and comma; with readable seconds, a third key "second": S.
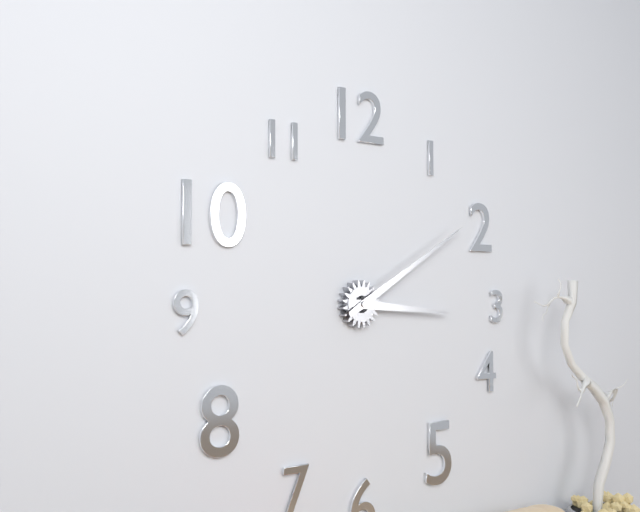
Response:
{"hour": 3, "minute": 10}
